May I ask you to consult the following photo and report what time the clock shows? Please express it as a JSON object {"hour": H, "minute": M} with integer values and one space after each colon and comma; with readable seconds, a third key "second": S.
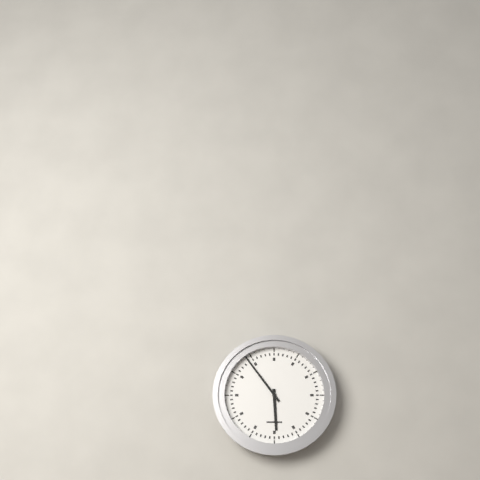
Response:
{"hour": 5, "minute": 54}
